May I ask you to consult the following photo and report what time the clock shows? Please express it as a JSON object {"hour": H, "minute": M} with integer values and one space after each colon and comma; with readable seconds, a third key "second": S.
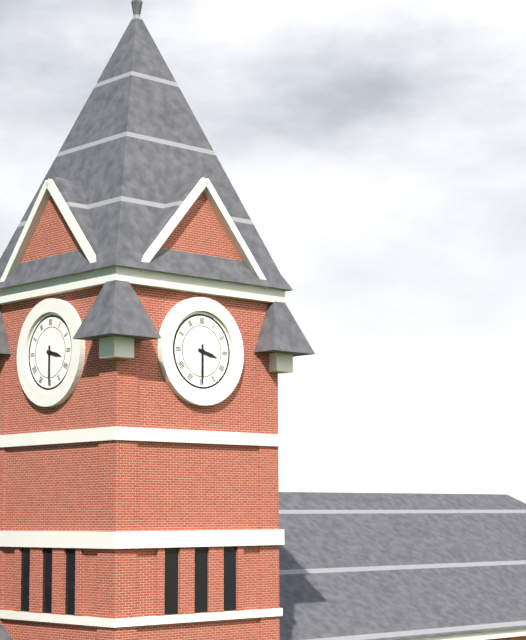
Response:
{"hour": 3, "minute": 30}
